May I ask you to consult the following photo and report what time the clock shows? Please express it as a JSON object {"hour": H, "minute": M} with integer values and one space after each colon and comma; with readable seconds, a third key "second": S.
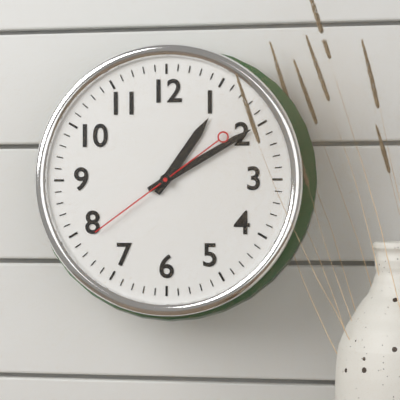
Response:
{"hour": 1, "minute": 10, "second": 39}
